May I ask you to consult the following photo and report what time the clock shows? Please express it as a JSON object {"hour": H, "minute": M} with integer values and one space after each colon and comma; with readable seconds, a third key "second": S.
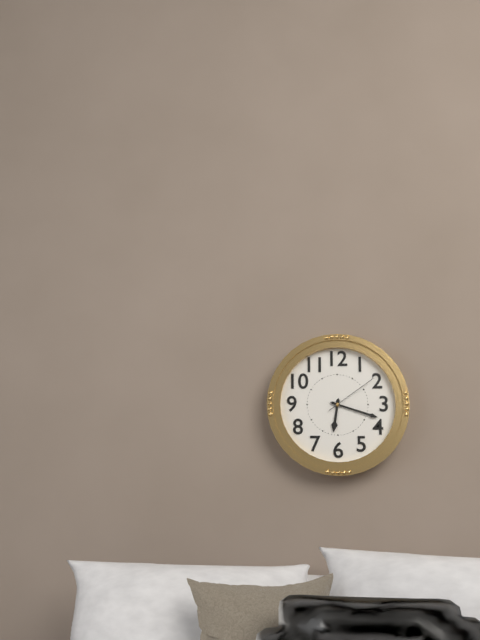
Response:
{"hour": 6, "minute": 18, "second": 9}
